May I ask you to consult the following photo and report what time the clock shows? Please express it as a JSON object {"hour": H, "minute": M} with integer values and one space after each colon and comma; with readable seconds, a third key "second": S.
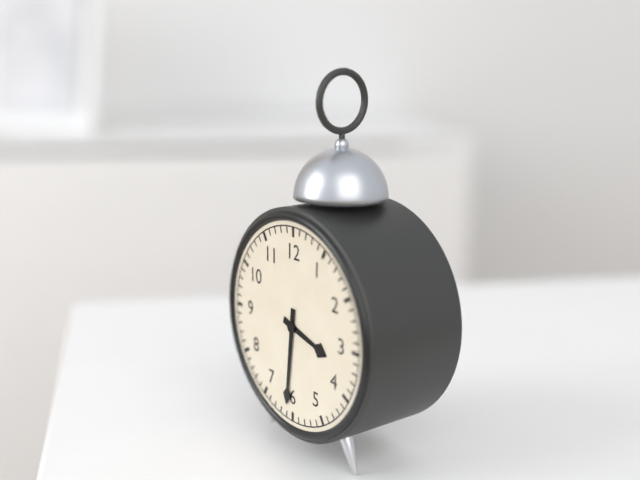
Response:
{"hour": 3, "minute": 31}
